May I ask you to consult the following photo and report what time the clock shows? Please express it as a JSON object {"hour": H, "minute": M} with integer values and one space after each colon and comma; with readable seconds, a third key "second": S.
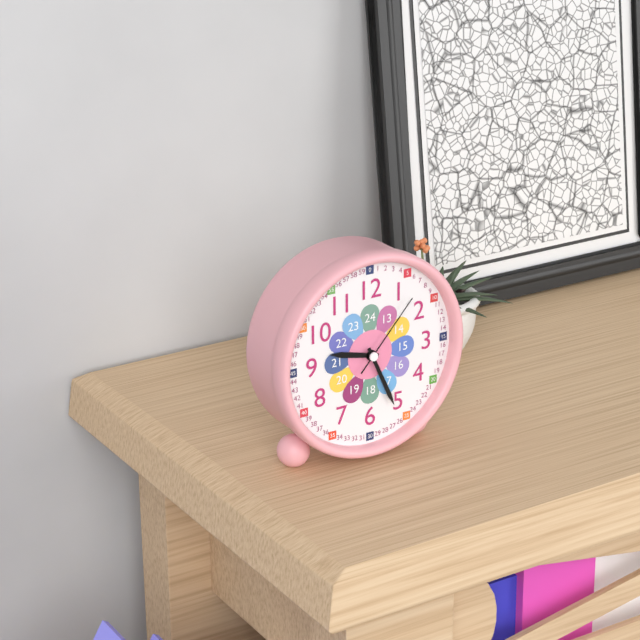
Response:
{"hour": 9, "minute": 26, "second": 7}
